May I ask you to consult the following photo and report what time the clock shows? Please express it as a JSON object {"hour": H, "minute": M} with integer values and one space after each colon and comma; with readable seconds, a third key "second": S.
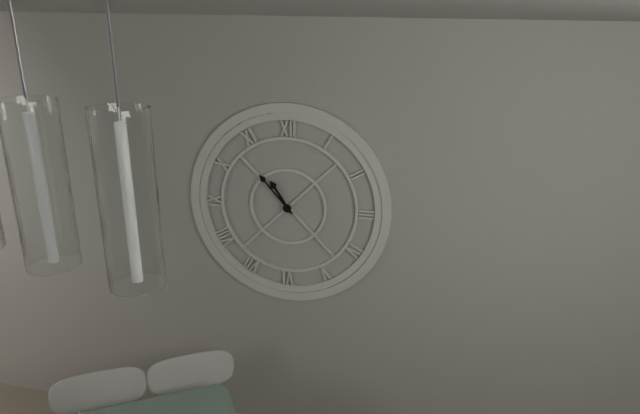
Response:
{"hour": 10, "minute": 53}
